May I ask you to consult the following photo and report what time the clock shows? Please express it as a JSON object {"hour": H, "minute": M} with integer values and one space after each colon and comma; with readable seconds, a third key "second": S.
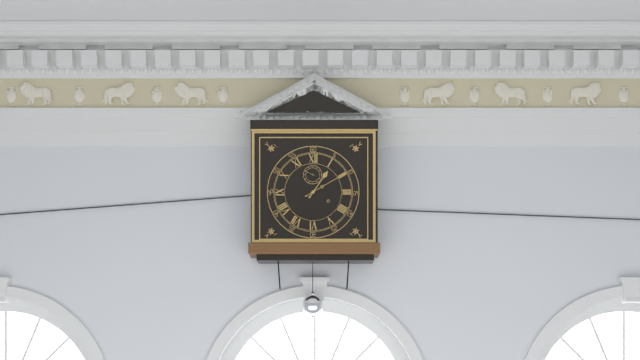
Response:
{"hour": 1, "minute": 10}
